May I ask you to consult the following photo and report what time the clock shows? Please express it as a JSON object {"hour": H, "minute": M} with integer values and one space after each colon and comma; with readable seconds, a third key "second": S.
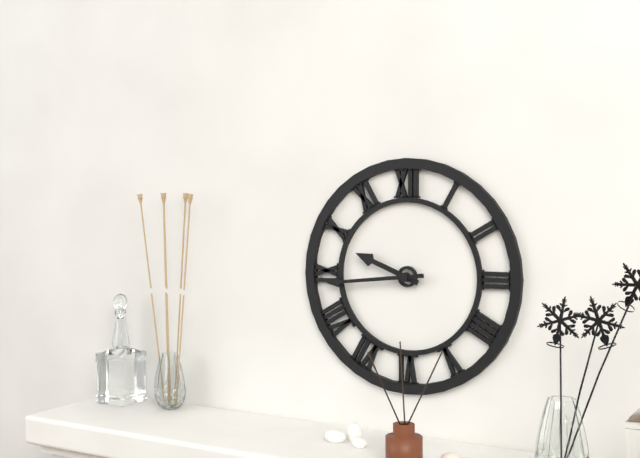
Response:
{"hour": 9, "minute": 44}
